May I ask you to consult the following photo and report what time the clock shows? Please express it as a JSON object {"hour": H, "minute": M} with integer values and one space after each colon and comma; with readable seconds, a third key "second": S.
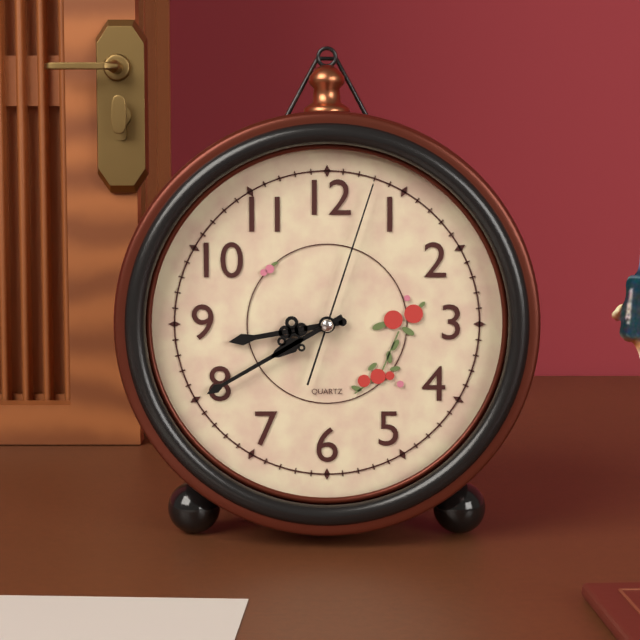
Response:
{"hour": 8, "minute": 40, "second": 3}
